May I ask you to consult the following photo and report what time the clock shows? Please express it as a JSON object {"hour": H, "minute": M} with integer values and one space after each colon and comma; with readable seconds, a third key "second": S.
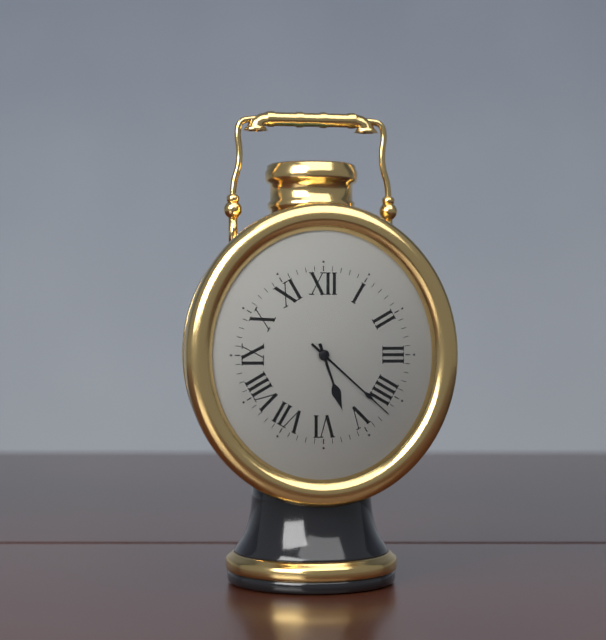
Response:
{"hour": 5, "minute": 22}
